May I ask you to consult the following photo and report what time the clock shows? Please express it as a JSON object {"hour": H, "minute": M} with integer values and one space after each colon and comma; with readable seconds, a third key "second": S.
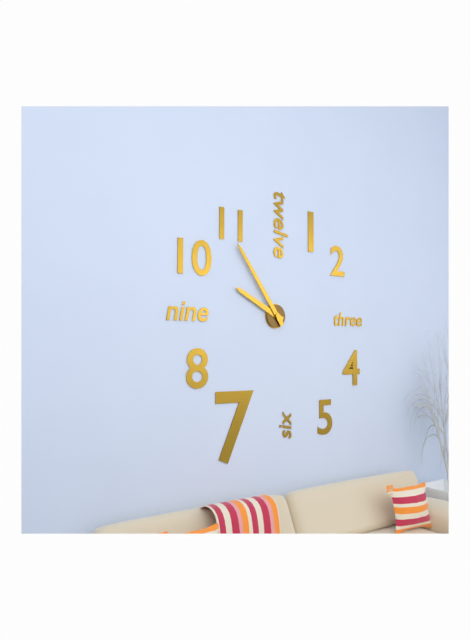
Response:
{"hour": 9, "minute": 54}
